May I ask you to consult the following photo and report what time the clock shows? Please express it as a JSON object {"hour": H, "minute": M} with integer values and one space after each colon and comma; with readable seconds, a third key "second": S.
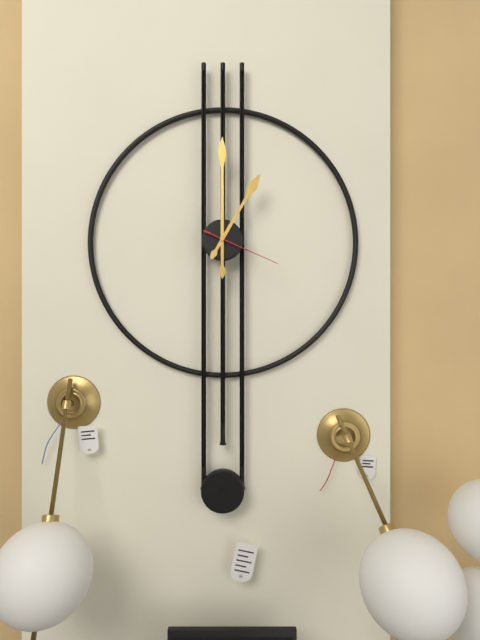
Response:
{"hour": 1, "minute": 0, "second": 19}
